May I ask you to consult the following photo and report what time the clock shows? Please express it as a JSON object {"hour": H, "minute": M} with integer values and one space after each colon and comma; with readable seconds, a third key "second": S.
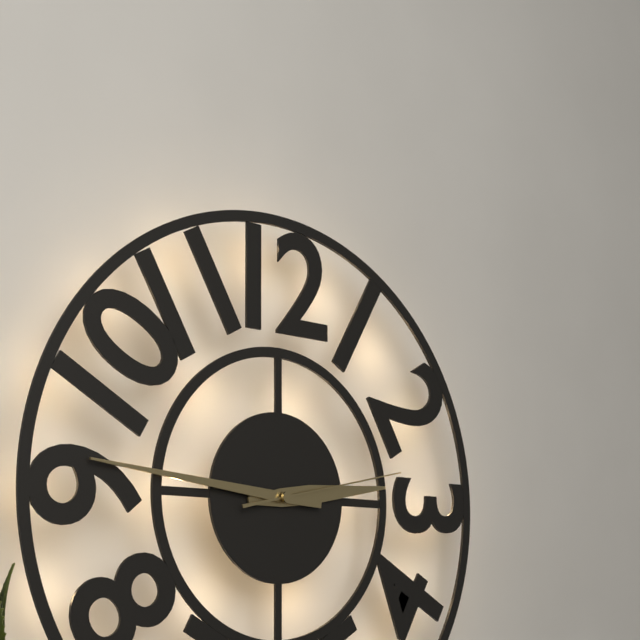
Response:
{"hour": 2, "minute": 46, "second": 13}
